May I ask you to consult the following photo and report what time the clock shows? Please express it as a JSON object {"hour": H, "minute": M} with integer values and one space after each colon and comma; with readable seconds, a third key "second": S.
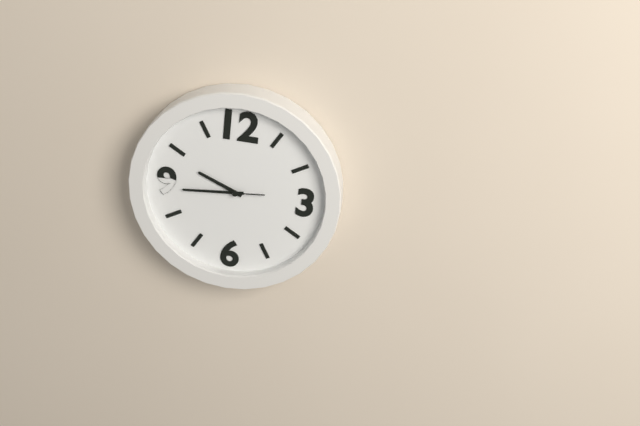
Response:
{"hour": 9, "minute": 44, "second": 44}
